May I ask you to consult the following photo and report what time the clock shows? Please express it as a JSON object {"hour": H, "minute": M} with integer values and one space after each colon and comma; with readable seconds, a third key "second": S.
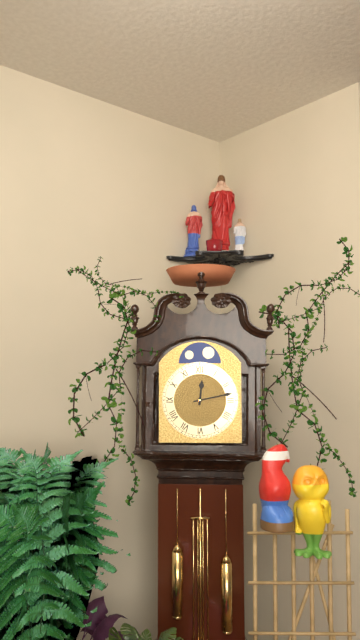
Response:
{"hour": 12, "minute": 13}
